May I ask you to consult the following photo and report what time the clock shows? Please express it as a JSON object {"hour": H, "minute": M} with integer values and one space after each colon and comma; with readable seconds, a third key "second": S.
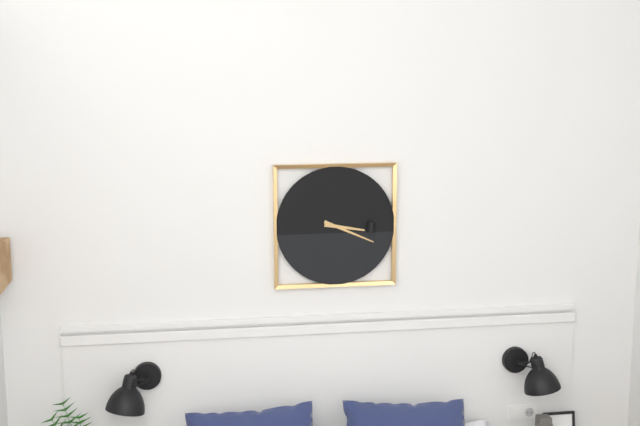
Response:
{"hour": 3, "minute": 19}
